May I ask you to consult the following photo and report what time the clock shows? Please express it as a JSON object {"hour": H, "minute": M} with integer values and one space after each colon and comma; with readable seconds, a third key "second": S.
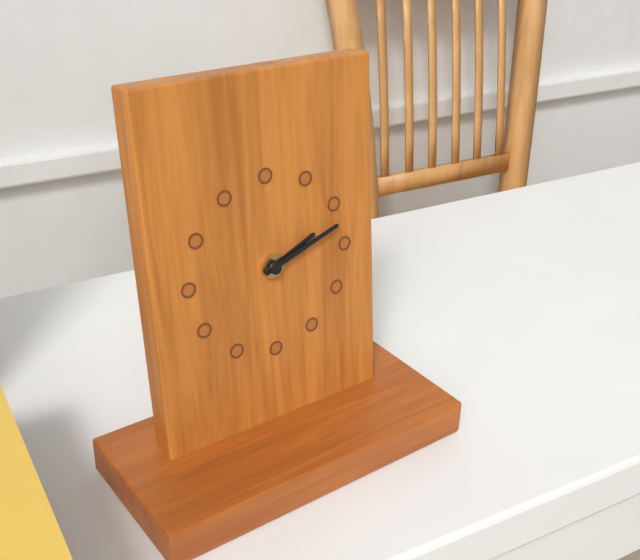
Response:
{"hour": 2, "minute": 12}
